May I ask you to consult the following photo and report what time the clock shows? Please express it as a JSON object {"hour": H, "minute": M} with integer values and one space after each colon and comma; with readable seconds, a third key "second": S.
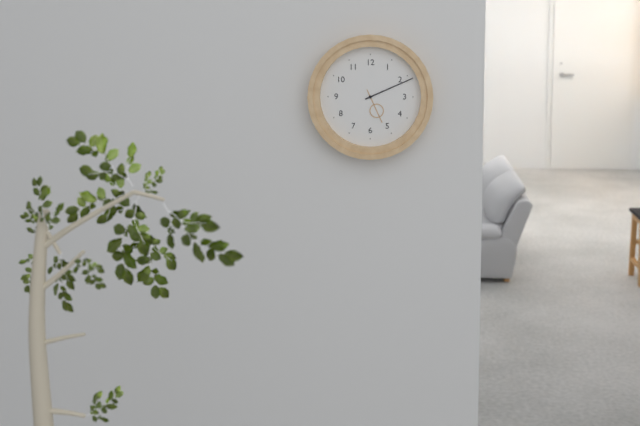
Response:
{"hour": 5, "minute": 11}
